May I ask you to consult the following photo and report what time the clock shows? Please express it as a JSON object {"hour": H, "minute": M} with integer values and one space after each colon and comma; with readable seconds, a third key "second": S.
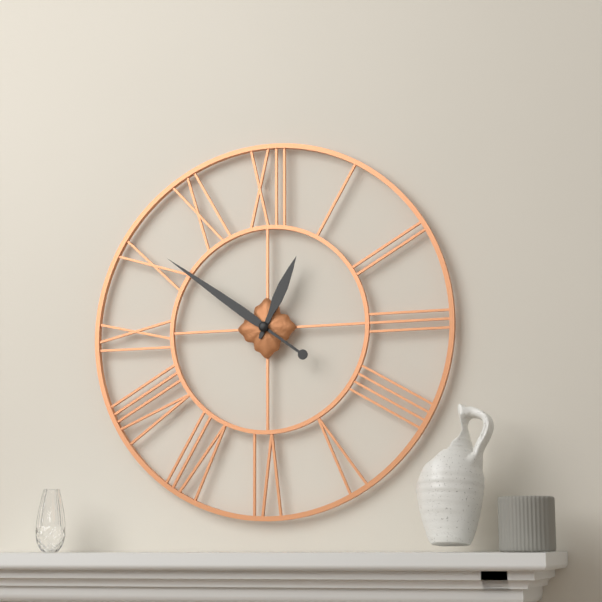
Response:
{"hour": 12, "minute": 51}
